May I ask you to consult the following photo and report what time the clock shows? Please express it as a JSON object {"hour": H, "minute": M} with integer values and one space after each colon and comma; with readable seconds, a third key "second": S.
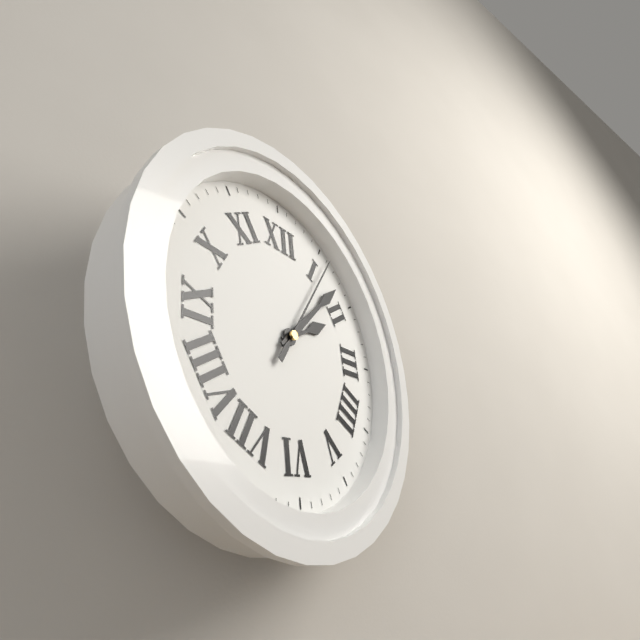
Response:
{"hour": 2, "minute": 8, "second": 6}
